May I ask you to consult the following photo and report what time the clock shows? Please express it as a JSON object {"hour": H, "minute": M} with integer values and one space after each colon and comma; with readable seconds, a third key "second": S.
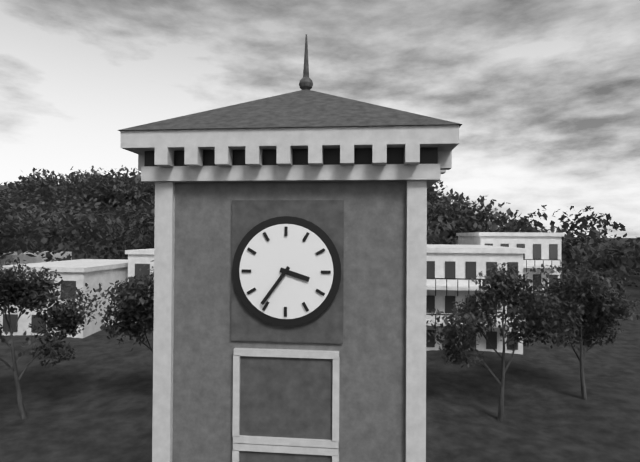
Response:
{"hour": 3, "minute": 36}
